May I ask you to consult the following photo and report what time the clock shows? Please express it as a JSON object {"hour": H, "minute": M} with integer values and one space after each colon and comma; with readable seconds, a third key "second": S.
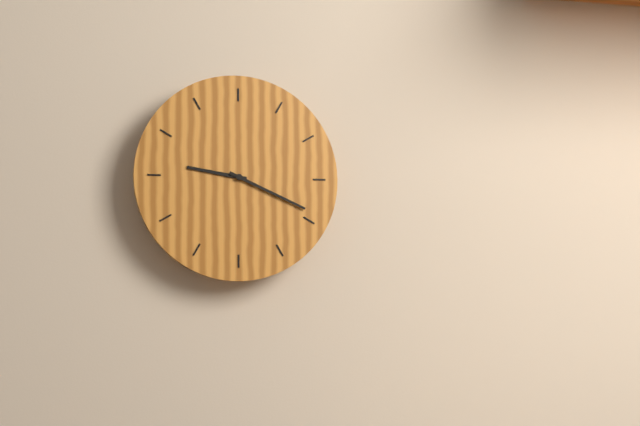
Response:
{"hour": 9, "minute": 19}
